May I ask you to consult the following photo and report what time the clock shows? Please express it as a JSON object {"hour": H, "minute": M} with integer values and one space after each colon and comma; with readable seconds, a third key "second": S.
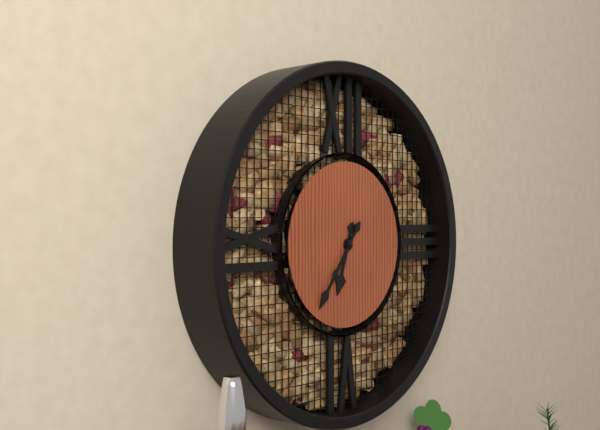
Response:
{"hour": 6, "minute": 36}
